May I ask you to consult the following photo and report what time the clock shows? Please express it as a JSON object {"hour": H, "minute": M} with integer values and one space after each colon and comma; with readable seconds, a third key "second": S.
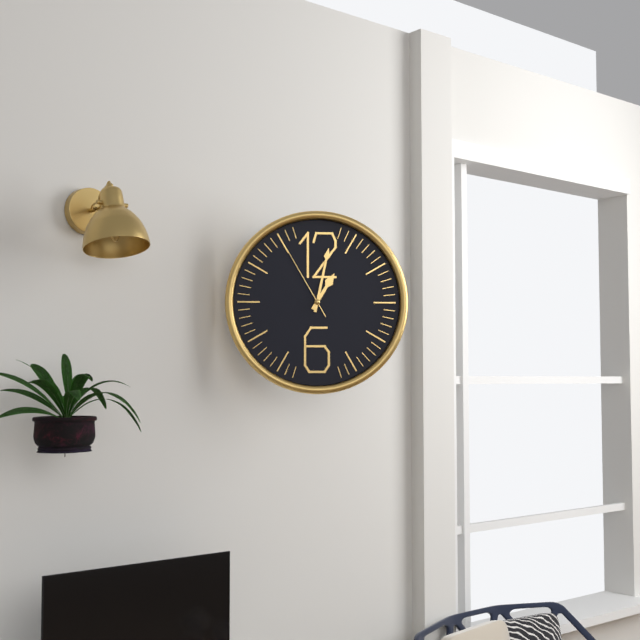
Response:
{"hour": 1, "minute": 2, "second": 55}
